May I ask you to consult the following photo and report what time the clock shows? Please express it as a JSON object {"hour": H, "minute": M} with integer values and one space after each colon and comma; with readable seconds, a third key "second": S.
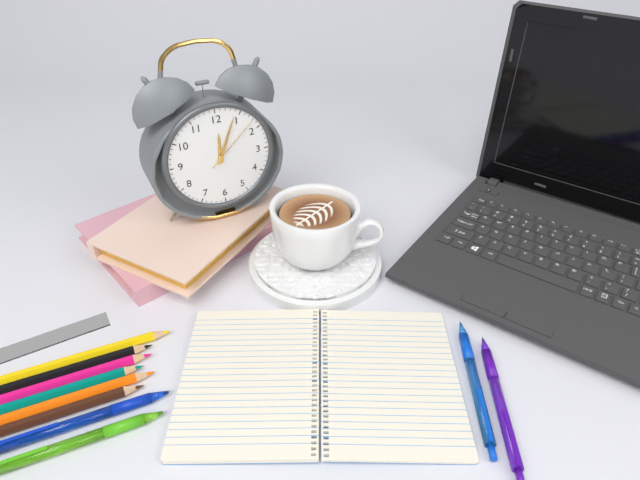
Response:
{"hour": 12, "minute": 4, "second": 8}
